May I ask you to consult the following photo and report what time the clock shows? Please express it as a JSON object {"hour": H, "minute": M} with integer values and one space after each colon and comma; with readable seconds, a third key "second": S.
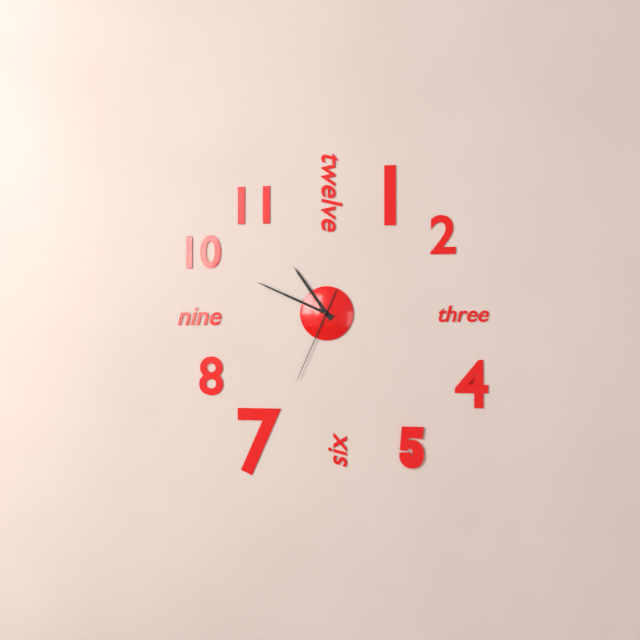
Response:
{"hour": 10, "minute": 49, "second": 34}
